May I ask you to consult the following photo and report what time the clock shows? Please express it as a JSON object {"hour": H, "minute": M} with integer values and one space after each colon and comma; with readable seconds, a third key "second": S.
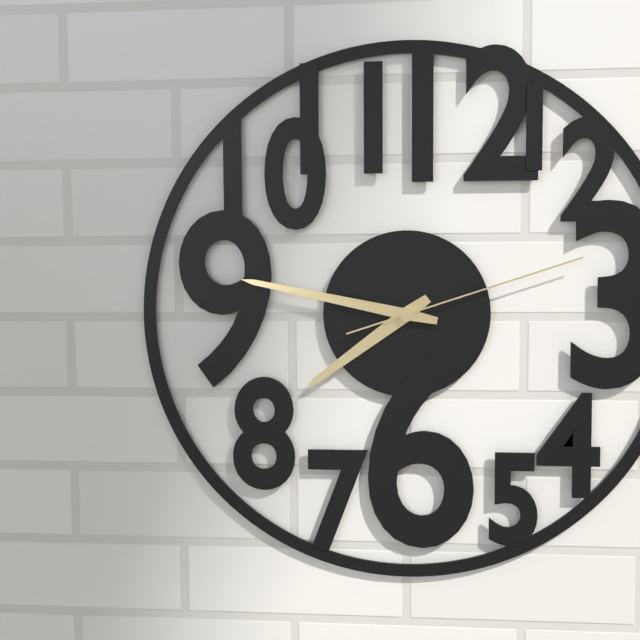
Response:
{"hour": 7, "minute": 47, "second": 12}
